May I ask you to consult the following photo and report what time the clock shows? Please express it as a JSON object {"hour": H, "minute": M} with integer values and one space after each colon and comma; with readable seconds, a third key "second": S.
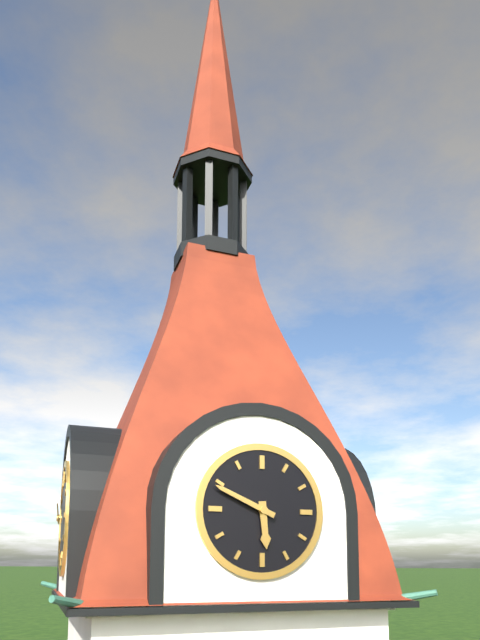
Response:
{"hour": 5, "minute": 49}
